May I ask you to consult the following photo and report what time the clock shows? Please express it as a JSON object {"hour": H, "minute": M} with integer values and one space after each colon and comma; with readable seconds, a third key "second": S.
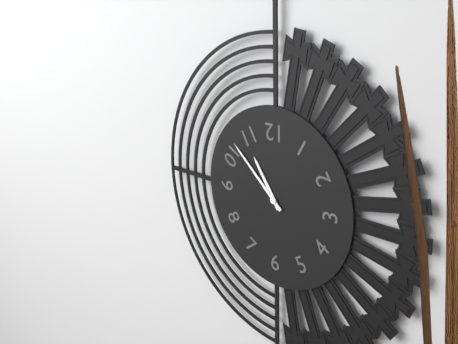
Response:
{"hour": 10, "minute": 52}
